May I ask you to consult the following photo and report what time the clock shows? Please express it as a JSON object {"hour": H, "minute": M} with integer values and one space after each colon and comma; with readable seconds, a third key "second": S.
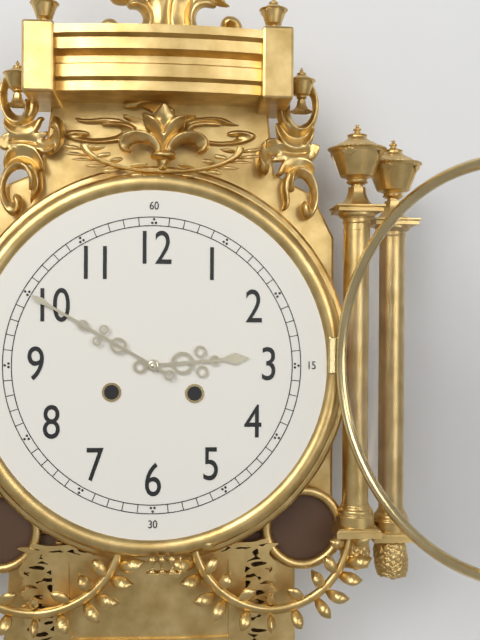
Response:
{"hour": 2, "minute": 50}
